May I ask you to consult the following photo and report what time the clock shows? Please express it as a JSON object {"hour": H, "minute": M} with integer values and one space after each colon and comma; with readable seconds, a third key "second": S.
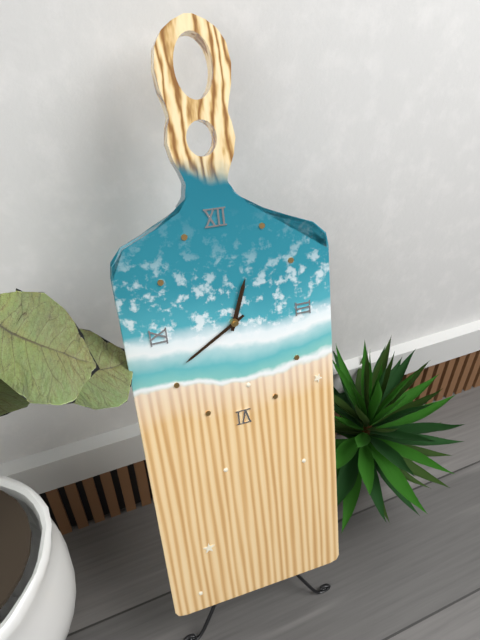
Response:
{"hour": 12, "minute": 40}
